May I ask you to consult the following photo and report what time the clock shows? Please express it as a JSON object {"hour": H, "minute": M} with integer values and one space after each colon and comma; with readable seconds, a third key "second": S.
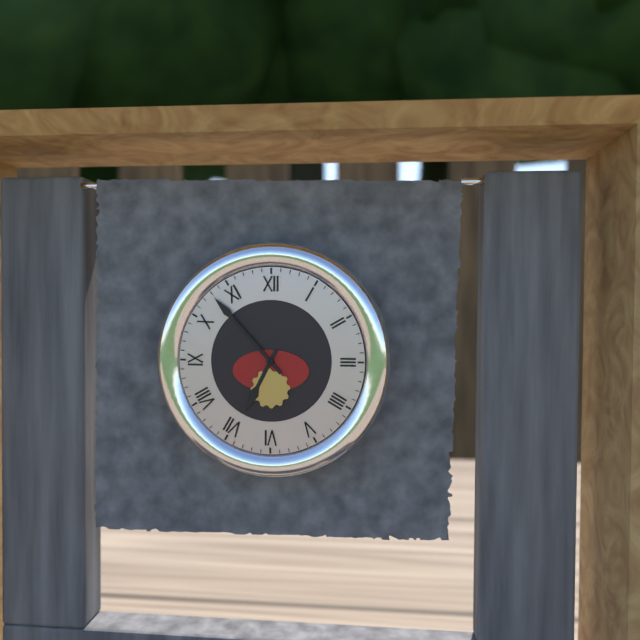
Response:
{"hour": 6, "minute": 53}
